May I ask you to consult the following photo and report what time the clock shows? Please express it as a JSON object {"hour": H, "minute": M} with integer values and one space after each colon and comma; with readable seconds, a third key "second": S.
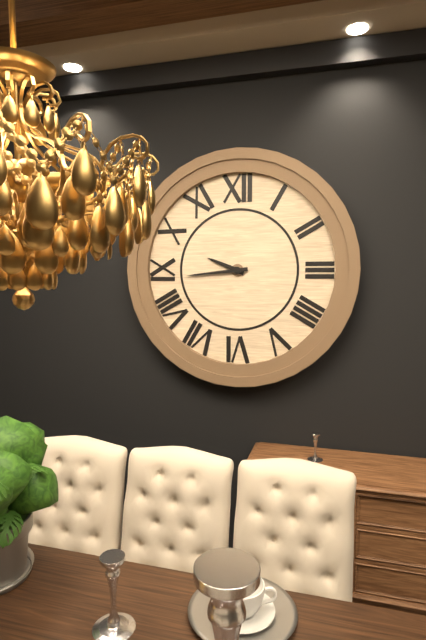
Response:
{"hour": 9, "minute": 44}
